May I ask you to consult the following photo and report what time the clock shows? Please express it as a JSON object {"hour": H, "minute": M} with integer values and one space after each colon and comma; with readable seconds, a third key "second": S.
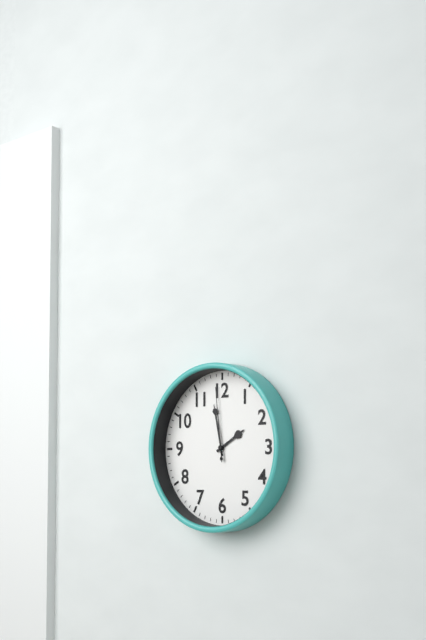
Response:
{"hour": 1, "minute": 58, "second": 59}
